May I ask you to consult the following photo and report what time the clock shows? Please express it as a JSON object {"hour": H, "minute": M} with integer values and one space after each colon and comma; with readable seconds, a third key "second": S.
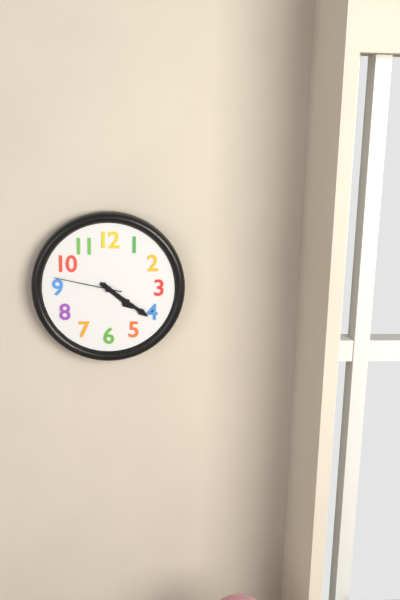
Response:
{"hour": 4, "minute": 21, "second": 47}
